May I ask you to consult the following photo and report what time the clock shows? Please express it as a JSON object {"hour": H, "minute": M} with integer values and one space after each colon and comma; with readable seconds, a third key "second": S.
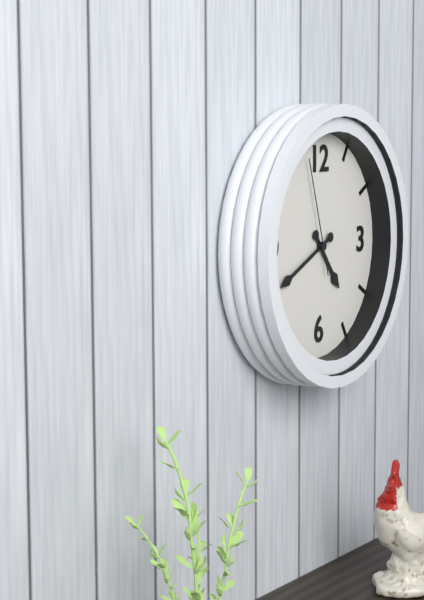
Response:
{"hour": 4, "minute": 41, "second": 57}
